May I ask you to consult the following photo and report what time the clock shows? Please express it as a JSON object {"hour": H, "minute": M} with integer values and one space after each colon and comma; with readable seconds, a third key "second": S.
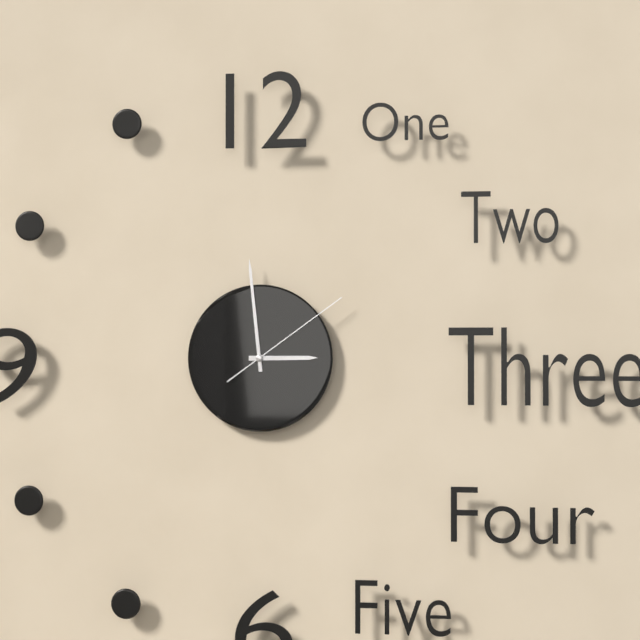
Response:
{"hour": 2, "minute": 59, "second": 9}
